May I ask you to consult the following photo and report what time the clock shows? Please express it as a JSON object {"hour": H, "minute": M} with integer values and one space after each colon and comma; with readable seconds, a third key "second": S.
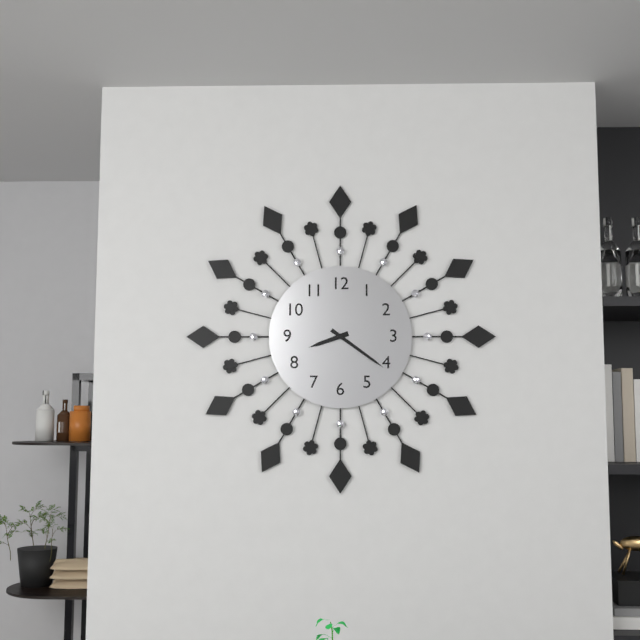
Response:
{"hour": 8, "minute": 21}
